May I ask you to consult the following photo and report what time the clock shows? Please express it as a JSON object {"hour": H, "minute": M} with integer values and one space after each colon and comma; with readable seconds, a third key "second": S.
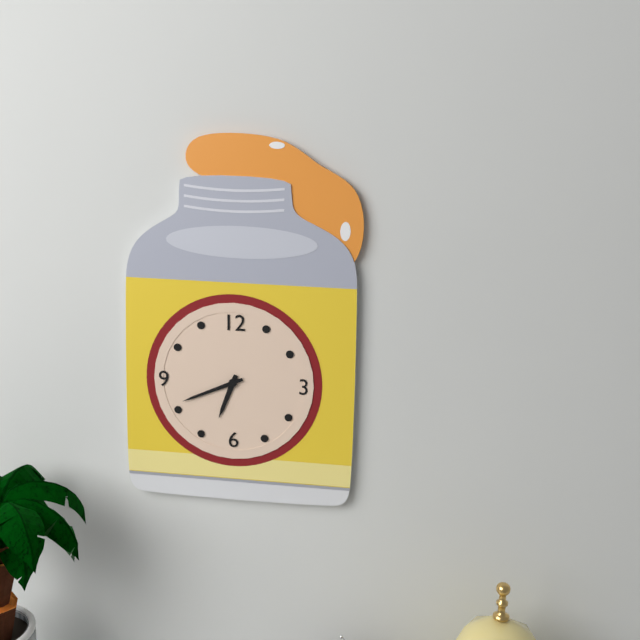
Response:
{"hour": 6, "minute": 41}
